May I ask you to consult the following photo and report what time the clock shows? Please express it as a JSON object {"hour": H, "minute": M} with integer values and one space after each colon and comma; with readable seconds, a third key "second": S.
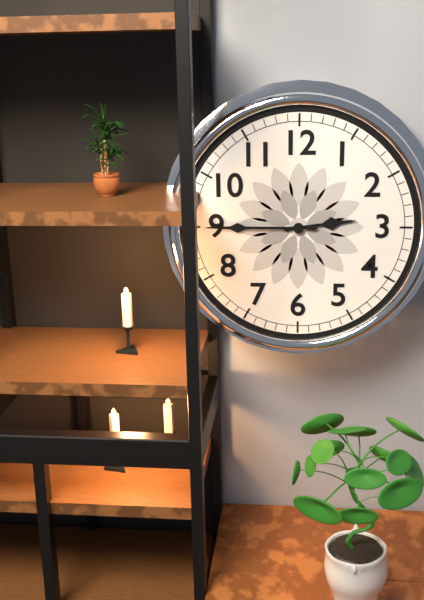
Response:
{"hour": 2, "minute": 45}
